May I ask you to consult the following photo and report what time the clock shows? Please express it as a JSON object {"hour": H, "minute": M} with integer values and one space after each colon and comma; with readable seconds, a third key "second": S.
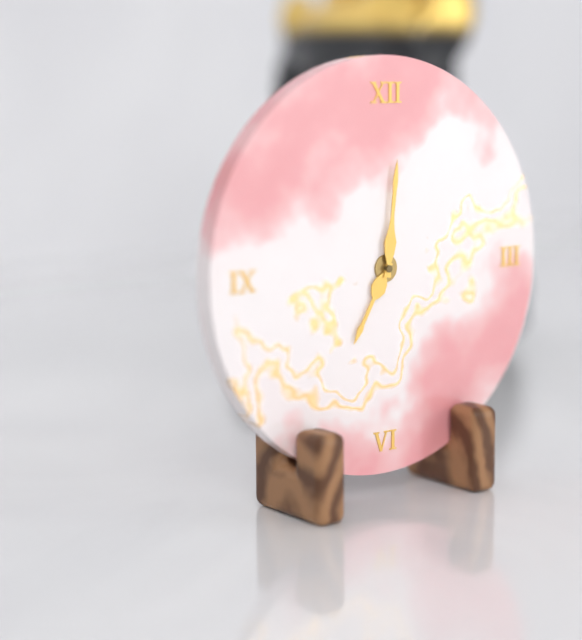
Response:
{"hour": 7, "minute": 1}
